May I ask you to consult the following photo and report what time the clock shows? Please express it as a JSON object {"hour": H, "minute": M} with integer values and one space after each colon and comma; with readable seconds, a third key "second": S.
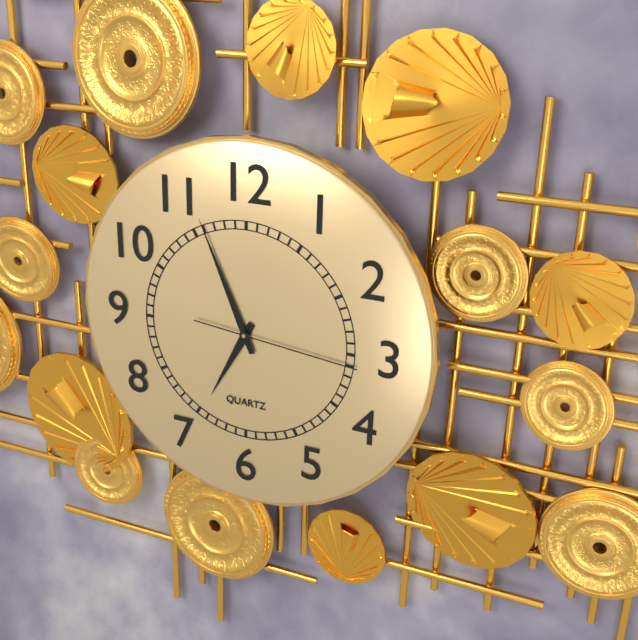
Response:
{"hour": 6, "minute": 56, "second": 16}
